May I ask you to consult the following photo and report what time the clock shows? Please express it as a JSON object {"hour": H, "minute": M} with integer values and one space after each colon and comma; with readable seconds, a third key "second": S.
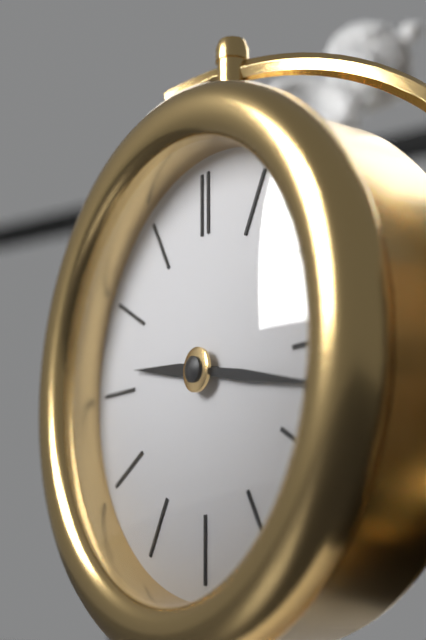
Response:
{"hour": 9, "minute": 17}
